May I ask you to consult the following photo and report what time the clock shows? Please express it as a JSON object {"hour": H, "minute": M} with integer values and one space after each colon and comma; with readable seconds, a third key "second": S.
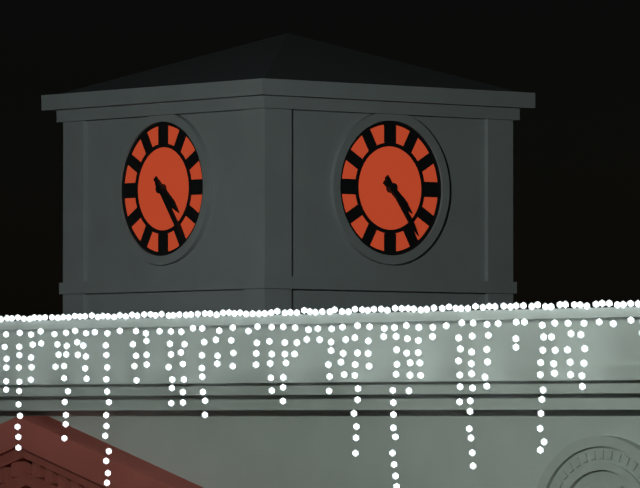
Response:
{"hour": 4, "minute": 24}
